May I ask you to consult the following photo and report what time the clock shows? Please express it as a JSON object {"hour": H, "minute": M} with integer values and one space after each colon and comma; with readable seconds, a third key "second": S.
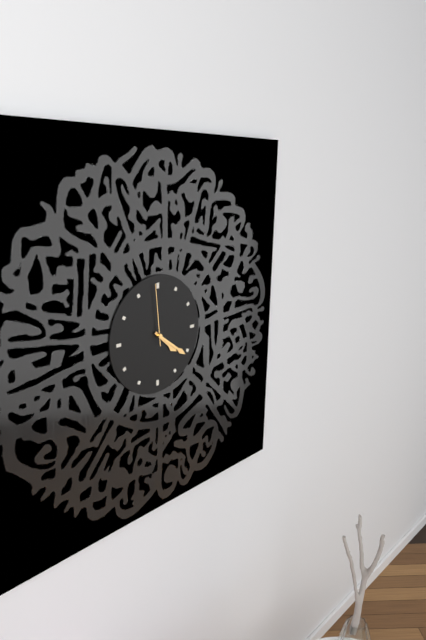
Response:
{"hour": 4, "minute": 21, "second": 59}
